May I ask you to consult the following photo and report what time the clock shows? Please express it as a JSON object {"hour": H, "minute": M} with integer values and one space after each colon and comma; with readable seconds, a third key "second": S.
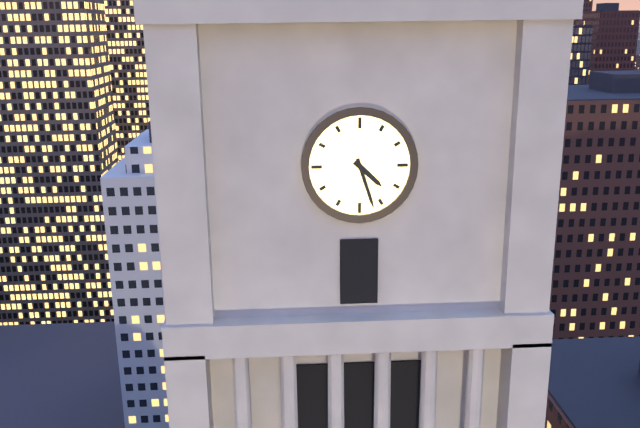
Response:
{"hour": 4, "minute": 27}
